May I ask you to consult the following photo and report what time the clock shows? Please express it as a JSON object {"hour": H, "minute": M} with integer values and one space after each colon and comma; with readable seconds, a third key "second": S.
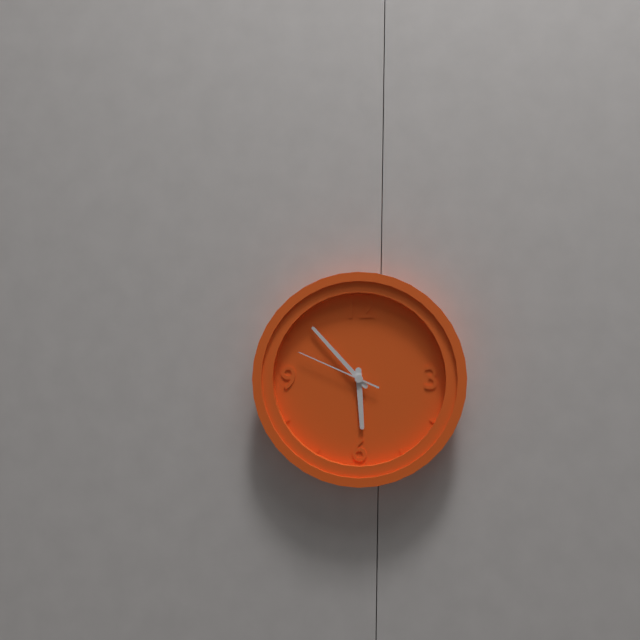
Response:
{"hour": 5, "minute": 53, "second": 49}
